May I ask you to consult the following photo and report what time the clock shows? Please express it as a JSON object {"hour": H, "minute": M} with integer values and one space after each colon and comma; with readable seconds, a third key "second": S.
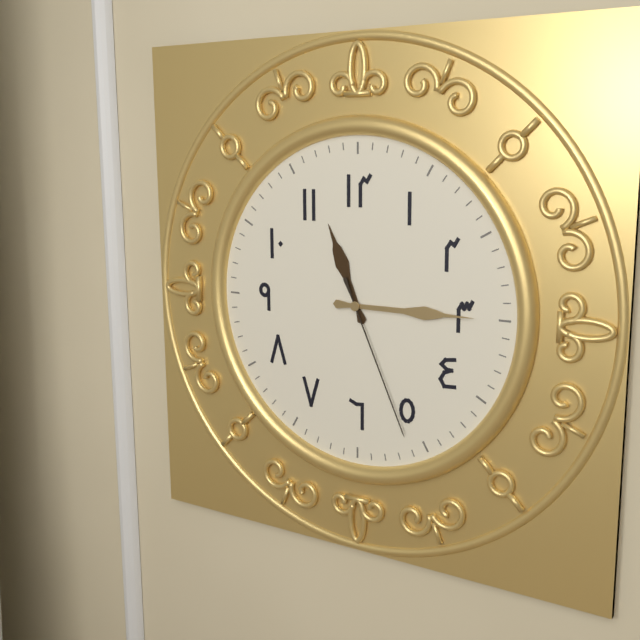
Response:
{"hour": 11, "minute": 15, "second": 26}
